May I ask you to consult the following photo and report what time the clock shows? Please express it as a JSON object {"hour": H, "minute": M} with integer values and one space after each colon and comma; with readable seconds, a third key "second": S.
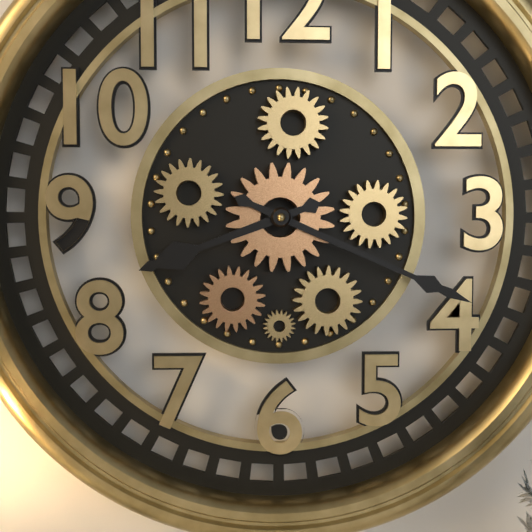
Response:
{"hour": 8, "minute": 19}
